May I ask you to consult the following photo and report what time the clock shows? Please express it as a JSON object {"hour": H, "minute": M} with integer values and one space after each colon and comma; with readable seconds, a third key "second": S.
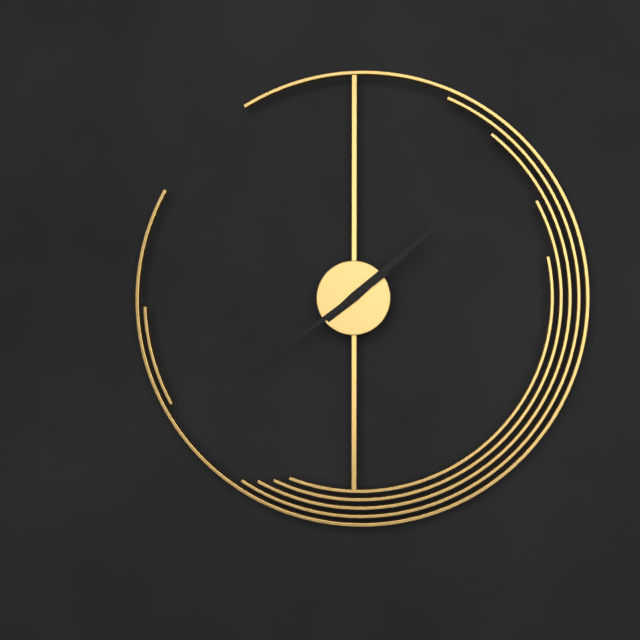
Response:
{"hour": 1, "minute": 39}
